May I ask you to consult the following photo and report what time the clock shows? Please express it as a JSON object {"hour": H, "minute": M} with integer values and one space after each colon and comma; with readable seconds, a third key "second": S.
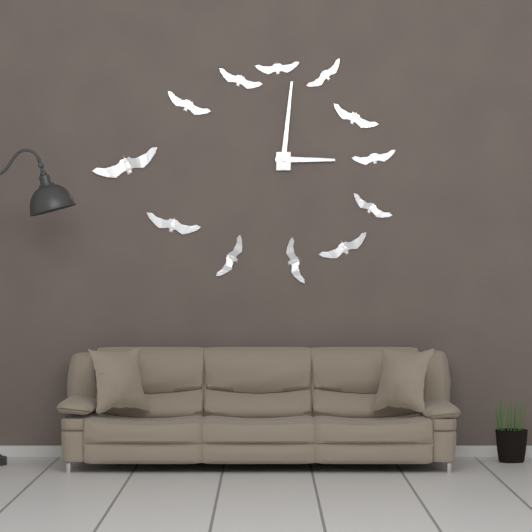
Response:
{"hour": 3, "minute": 1}
